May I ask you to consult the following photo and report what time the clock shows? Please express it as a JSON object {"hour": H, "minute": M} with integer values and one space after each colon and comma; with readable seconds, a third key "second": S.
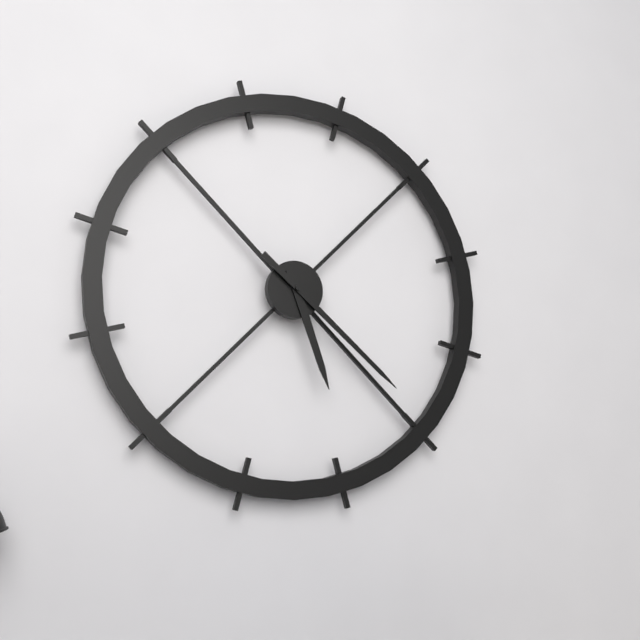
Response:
{"hour": 5, "minute": 22}
